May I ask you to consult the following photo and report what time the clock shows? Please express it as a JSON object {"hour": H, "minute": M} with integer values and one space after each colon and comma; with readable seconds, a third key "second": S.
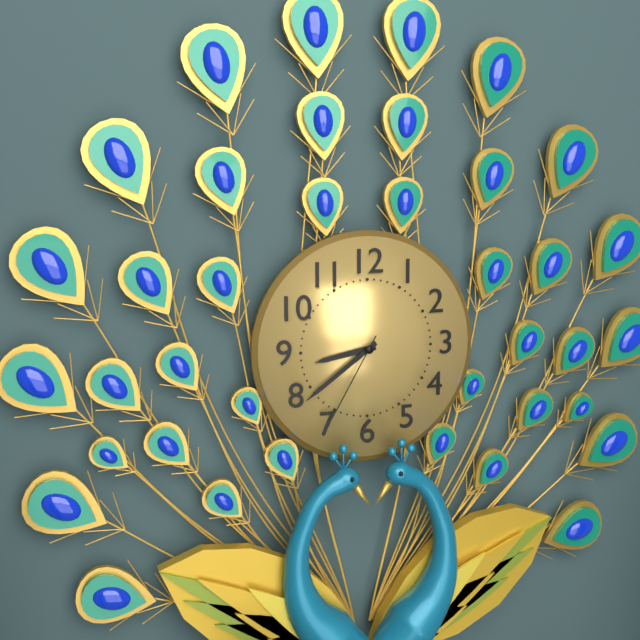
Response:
{"hour": 8, "minute": 39, "second": 35}
